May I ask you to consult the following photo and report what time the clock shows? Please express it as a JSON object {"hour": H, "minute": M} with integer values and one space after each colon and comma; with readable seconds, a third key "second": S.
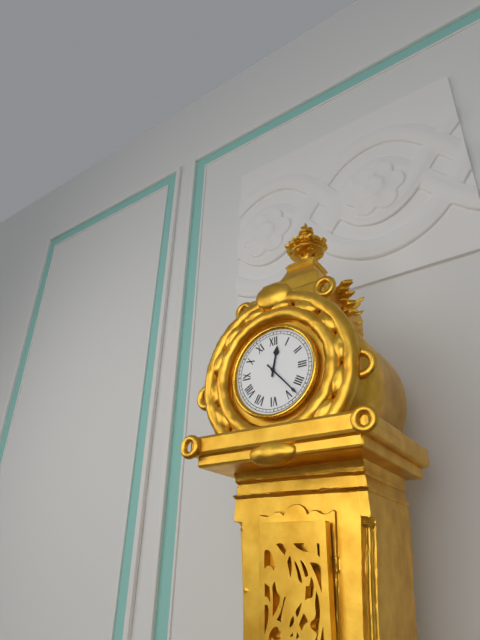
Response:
{"hour": 12, "minute": 23}
